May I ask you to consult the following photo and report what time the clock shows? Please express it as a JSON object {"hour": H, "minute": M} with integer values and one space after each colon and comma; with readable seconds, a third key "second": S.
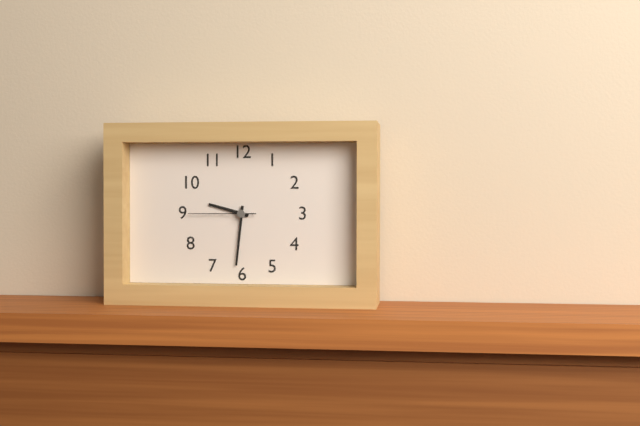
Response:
{"hour": 9, "minute": 31, "second": 45}
